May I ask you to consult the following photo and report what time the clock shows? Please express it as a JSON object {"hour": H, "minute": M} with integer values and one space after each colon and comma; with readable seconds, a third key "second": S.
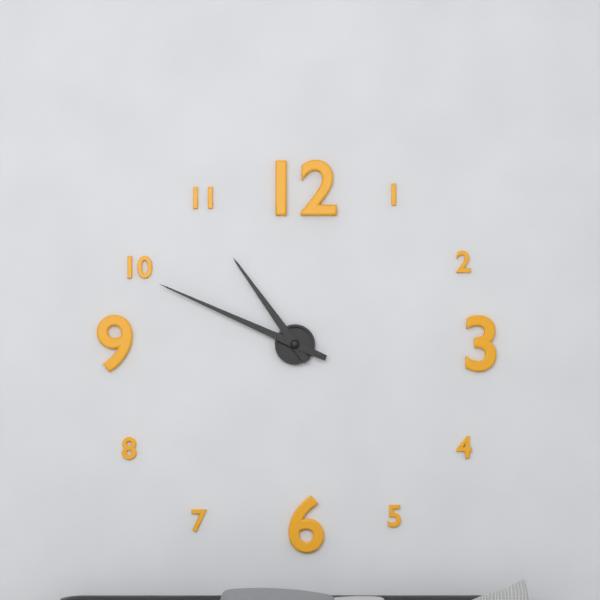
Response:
{"hour": 10, "minute": 49}
